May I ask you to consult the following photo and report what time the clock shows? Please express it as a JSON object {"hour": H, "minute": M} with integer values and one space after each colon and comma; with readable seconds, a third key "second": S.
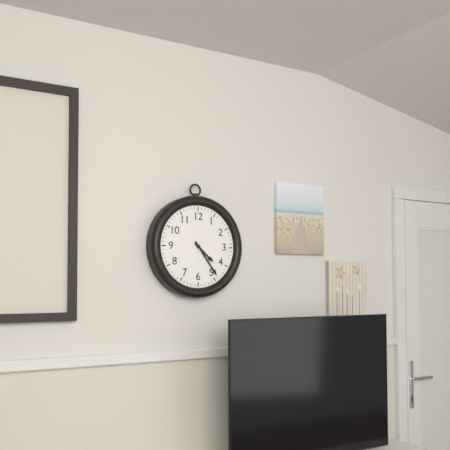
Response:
{"hour": 4, "minute": 24}
